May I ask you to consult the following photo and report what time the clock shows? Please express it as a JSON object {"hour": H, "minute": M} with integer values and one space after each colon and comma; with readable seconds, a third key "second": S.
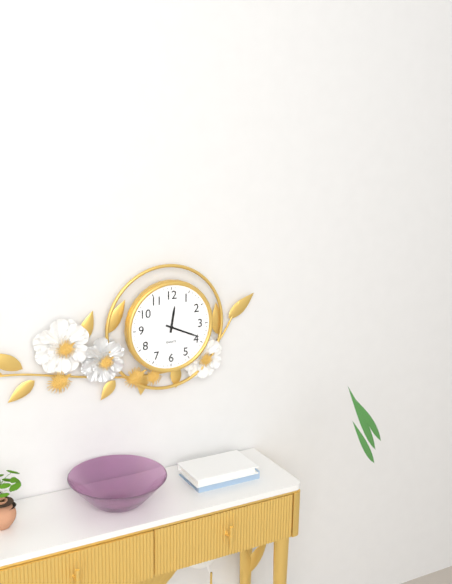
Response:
{"hour": 12, "minute": 19}
